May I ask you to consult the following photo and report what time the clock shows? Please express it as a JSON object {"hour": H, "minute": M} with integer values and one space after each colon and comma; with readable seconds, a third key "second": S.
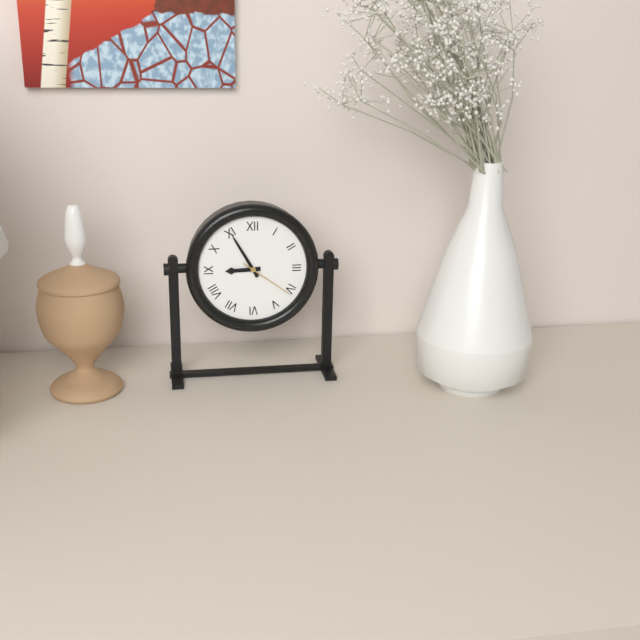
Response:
{"hour": 8, "minute": 55, "second": 21}
